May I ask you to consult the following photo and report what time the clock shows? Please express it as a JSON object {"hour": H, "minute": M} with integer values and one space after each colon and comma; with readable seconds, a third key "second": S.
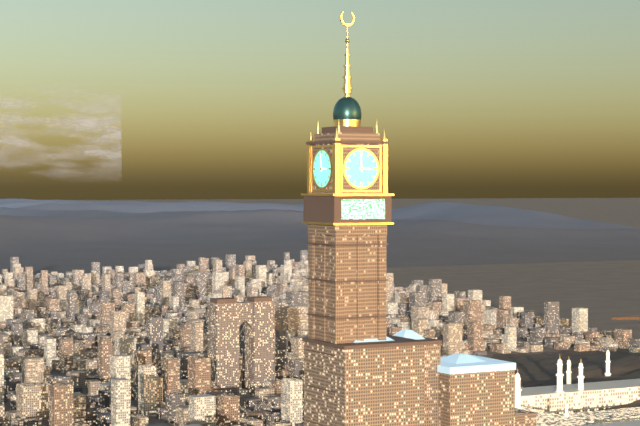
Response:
{"hour": 2, "minute": 59}
